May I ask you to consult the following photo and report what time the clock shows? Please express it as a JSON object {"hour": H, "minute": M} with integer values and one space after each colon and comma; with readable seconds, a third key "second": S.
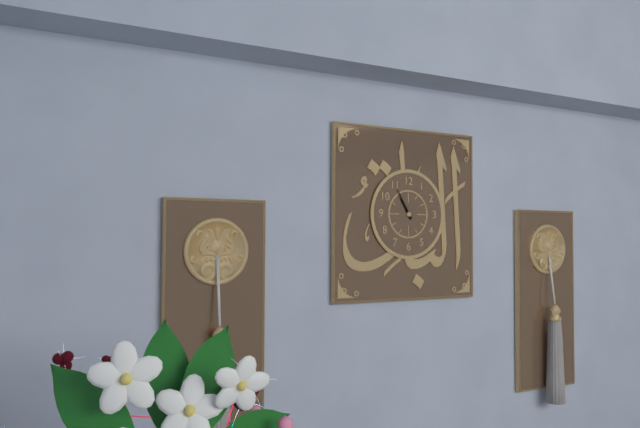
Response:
{"hour": 10, "minute": 55}
